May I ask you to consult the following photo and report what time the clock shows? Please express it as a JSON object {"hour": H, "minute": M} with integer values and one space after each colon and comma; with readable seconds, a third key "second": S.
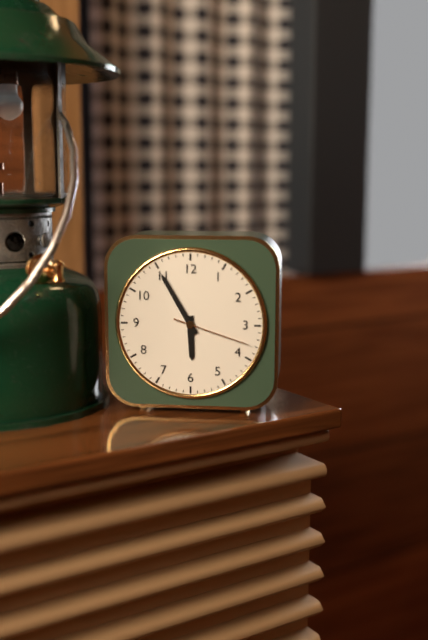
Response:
{"hour": 5, "minute": 55, "second": 18}
